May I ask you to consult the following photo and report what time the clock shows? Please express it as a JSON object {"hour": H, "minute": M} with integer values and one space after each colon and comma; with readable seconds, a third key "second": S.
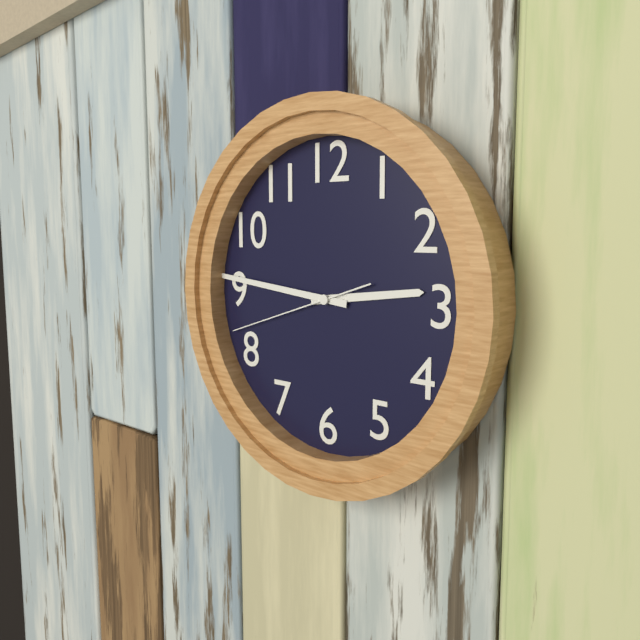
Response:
{"hour": 2, "minute": 46, "second": 42}
